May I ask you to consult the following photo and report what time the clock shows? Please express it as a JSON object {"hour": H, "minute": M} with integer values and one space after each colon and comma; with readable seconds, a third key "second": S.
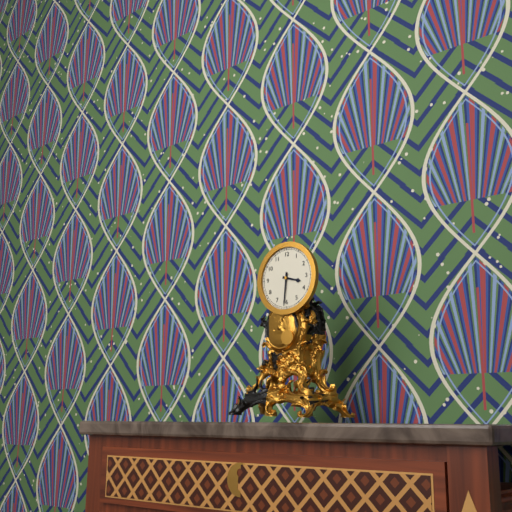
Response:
{"hour": 3, "minute": 31}
